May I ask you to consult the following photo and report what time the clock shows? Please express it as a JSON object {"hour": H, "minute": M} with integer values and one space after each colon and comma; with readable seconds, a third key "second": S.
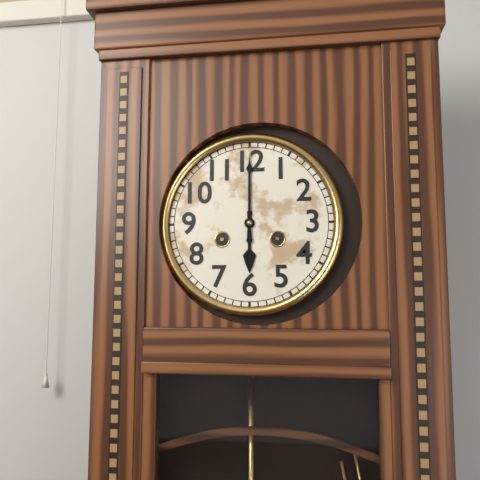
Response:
{"hour": 6, "minute": 0}
